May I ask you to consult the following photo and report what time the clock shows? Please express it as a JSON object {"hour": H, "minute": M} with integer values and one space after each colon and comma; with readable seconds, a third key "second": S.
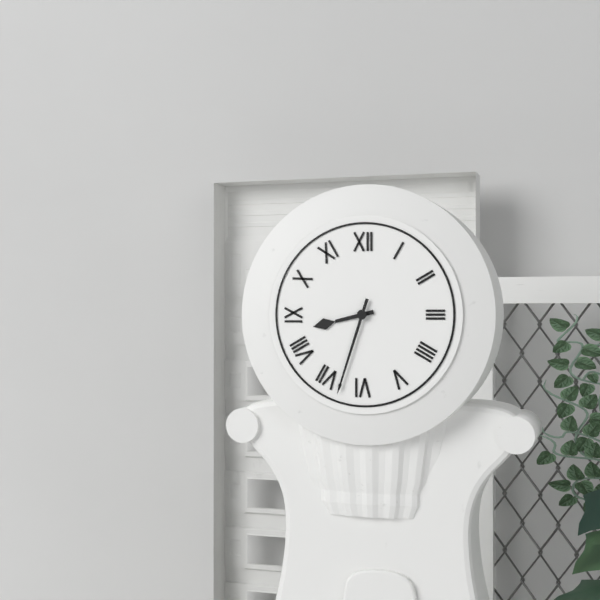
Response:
{"hour": 8, "minute": 33}
